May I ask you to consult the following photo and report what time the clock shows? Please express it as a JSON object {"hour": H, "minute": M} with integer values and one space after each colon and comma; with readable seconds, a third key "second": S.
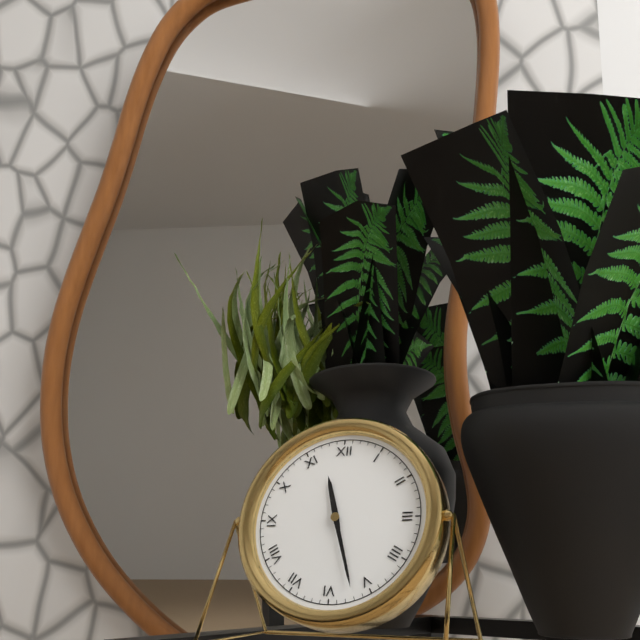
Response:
{"hour": 11, "minute": 27}
